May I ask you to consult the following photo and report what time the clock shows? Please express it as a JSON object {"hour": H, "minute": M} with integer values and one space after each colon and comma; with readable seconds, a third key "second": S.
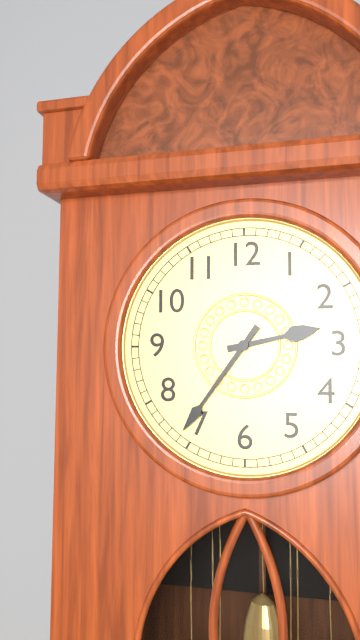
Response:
{"hour": 2, "minute": 36}
